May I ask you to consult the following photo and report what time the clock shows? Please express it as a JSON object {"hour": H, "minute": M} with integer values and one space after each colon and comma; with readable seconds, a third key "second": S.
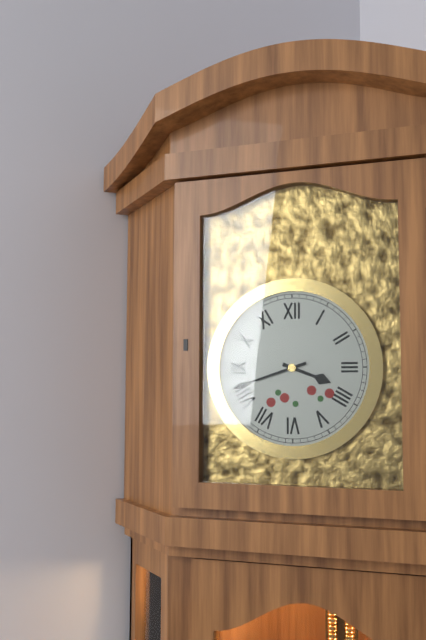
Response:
{"hour": 3, "minute": 42}
